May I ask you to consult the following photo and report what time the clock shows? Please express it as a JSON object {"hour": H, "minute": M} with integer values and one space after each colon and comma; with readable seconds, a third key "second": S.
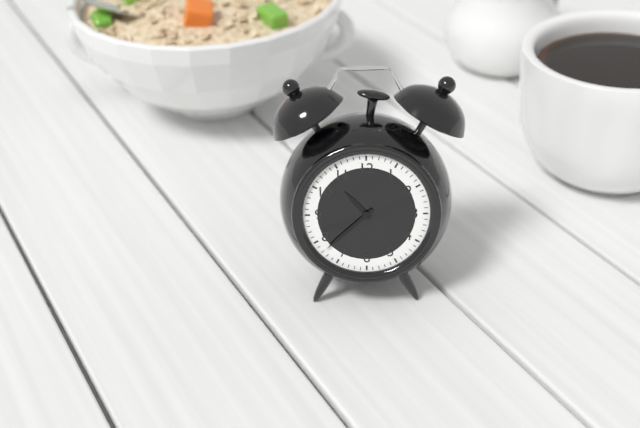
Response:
{"hour": 10, "minute": 38}
